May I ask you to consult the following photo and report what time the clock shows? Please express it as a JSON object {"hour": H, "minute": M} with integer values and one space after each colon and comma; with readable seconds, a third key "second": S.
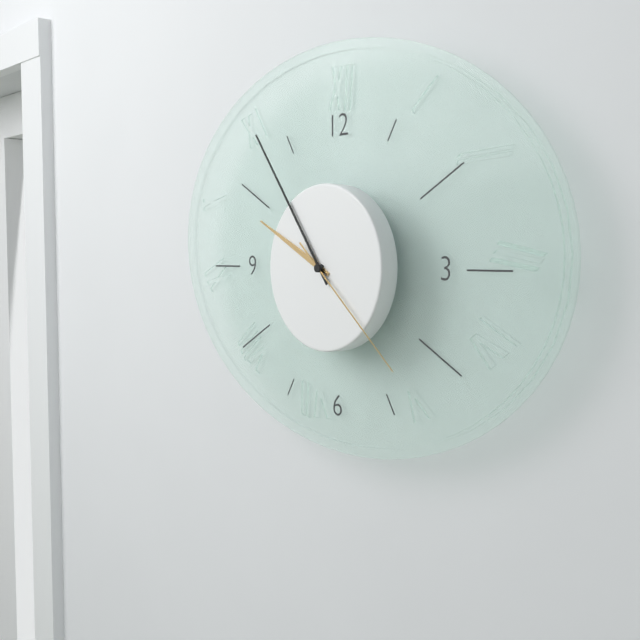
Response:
{"hour": 9, "minute": 54, "second": 22}
